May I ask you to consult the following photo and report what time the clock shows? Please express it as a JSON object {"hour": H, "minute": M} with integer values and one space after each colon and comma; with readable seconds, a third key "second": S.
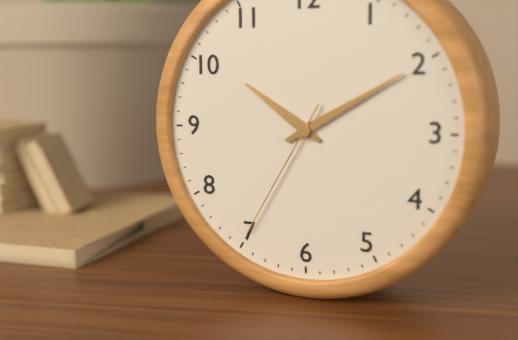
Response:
{"hour": 10, "minute": 10, "second": 35}
